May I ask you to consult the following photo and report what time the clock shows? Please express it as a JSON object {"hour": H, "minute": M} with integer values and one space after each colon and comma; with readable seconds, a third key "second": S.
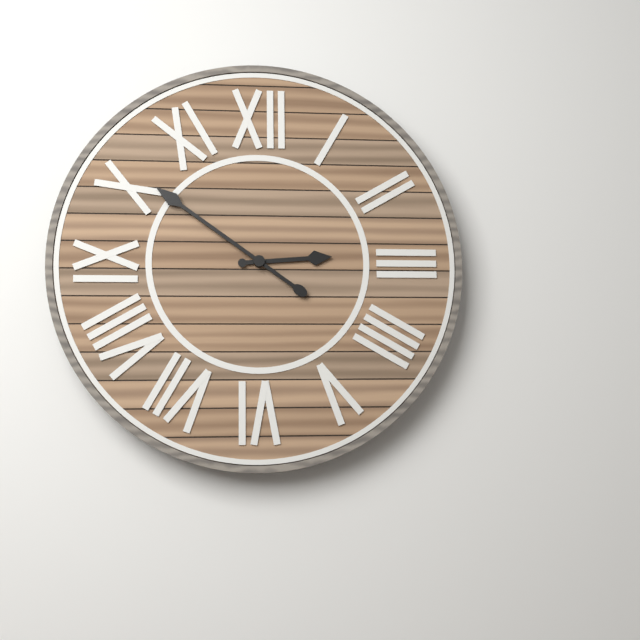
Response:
{"hour": 2, "minute": 51}
